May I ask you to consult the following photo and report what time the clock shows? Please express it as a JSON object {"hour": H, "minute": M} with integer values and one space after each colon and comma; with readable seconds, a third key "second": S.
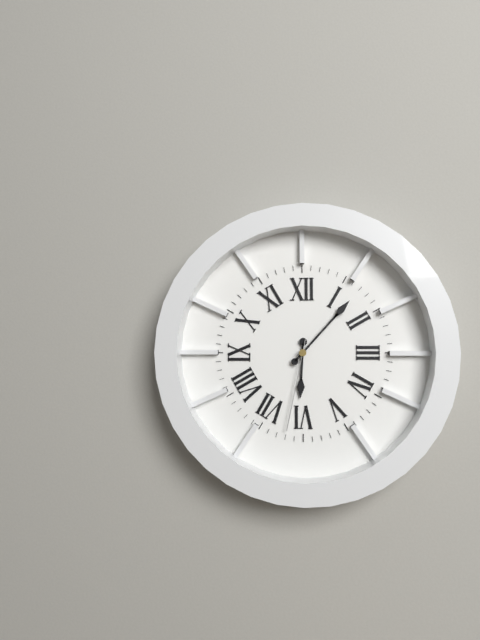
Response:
{"hour": 6, "minute": 7, "second": 32}
